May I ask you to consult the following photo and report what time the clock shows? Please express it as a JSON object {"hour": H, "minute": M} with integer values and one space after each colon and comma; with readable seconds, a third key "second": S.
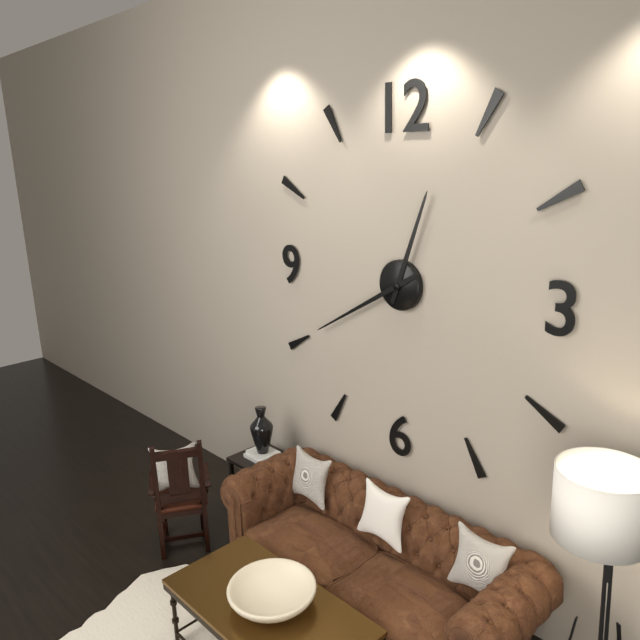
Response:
{"hour": 12, "minute": 40}
